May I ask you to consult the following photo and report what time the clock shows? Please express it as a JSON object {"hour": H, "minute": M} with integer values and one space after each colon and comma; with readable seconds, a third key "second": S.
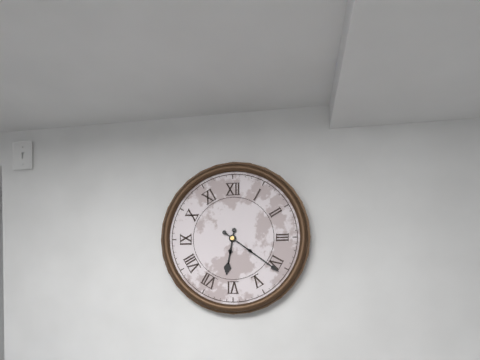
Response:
{"hour": 6, "minute": 21}
